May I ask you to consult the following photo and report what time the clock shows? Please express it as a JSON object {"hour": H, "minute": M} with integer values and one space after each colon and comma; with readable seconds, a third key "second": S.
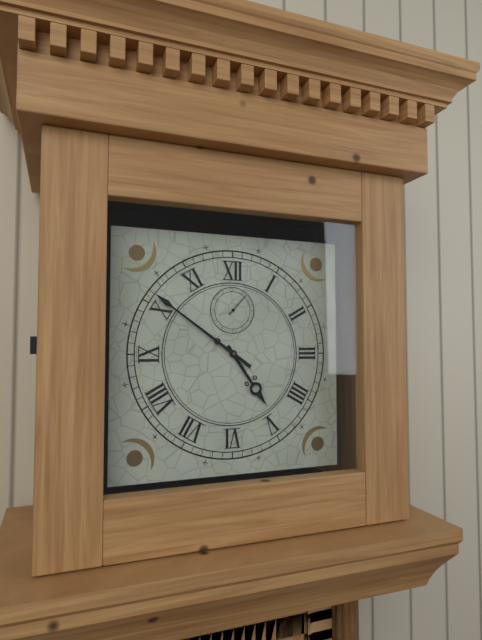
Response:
{"hour": 4, "minute": 51}
